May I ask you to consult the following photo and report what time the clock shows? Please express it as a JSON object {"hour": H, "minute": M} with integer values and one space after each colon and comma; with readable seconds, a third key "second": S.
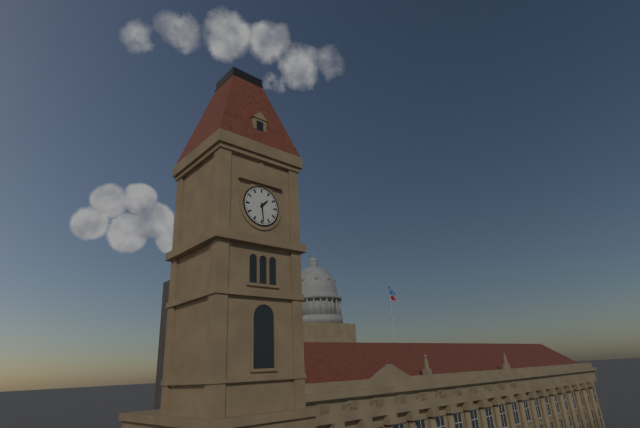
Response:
{"hour": 1, "minute": 29}
